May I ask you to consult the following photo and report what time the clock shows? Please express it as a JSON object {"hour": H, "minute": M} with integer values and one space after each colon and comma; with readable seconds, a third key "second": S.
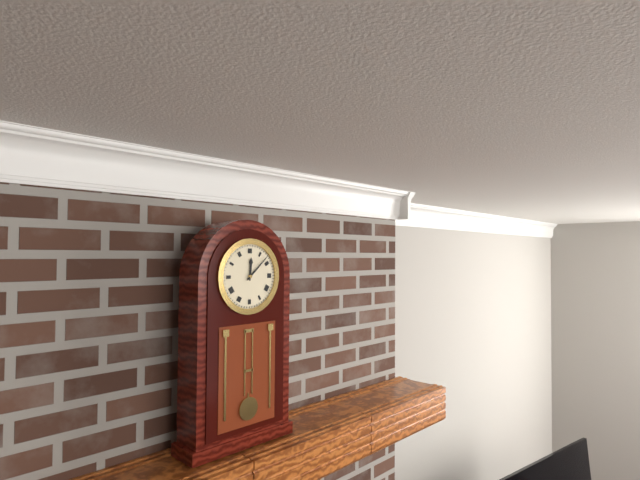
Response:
{"hour": 12, "minute": 8}
